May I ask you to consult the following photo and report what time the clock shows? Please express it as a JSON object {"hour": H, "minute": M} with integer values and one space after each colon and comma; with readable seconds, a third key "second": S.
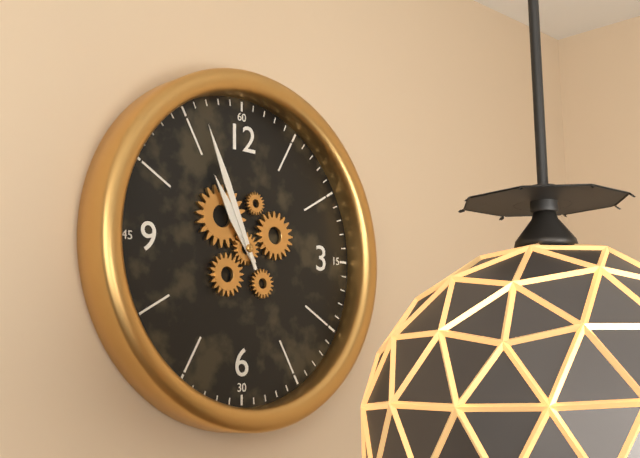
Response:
{"hour": 10, "minute": 56}
